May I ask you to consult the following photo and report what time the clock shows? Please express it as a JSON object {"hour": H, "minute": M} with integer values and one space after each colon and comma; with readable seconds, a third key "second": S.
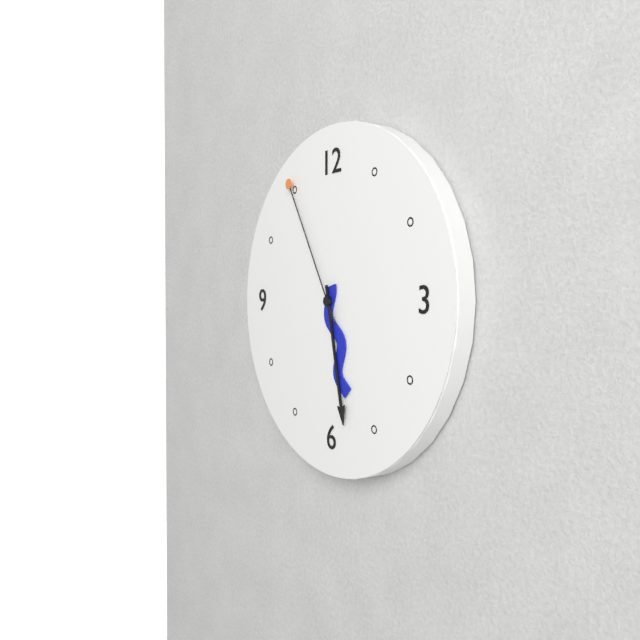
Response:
{"hour": 5, "minute": 28, "second": 55}
